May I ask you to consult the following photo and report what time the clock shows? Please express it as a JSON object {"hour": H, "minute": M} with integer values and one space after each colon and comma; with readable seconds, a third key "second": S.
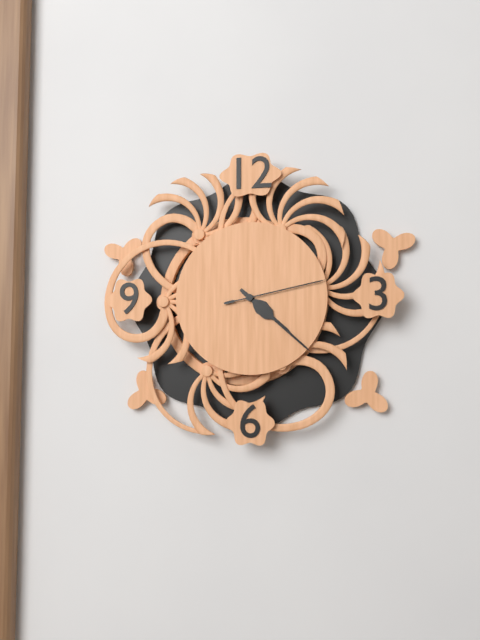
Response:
{"hour": 4, "minute": 22, "second": 13}
